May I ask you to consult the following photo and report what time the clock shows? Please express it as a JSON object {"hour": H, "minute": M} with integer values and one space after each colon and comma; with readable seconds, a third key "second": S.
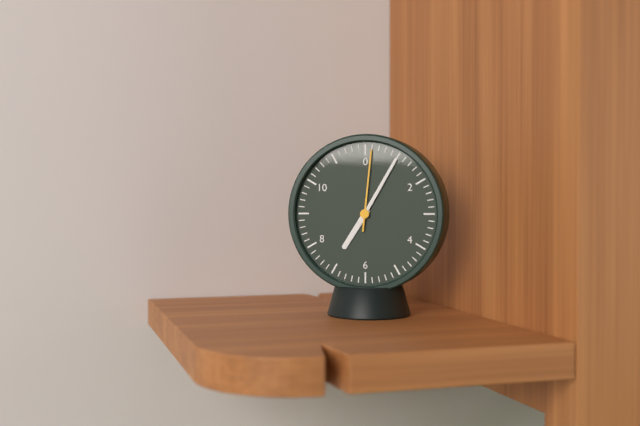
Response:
{"hour": 7, "minute": 5, "second": 1}
